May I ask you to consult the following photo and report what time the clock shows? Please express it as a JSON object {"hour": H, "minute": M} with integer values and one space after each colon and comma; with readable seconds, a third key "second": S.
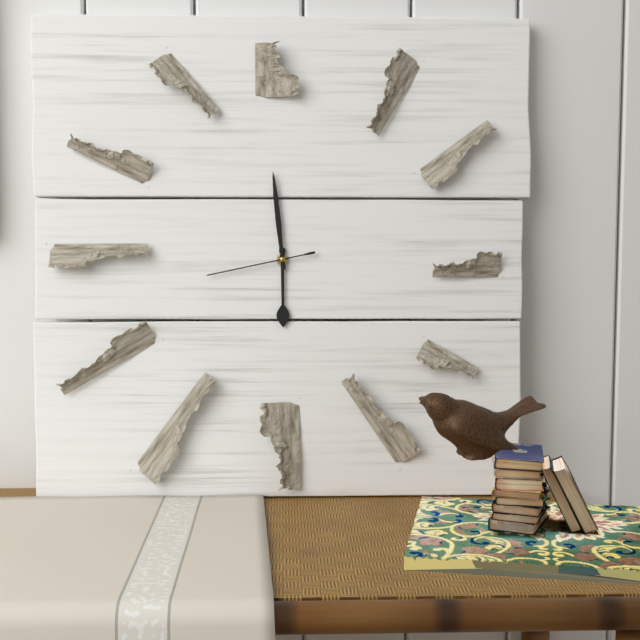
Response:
{"hour": 5, "minute": 59, "second": 43}
